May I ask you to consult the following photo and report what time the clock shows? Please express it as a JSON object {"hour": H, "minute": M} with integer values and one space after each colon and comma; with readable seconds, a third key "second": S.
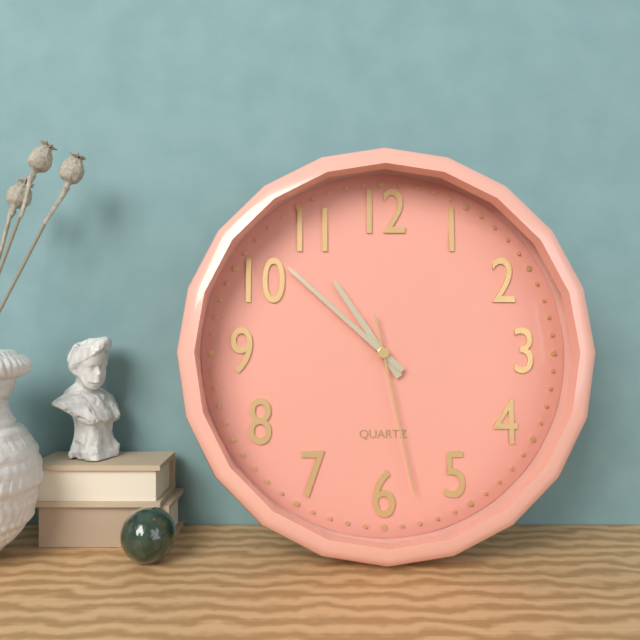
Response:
{"hour": 10, "minute": 52, "second": 28}
